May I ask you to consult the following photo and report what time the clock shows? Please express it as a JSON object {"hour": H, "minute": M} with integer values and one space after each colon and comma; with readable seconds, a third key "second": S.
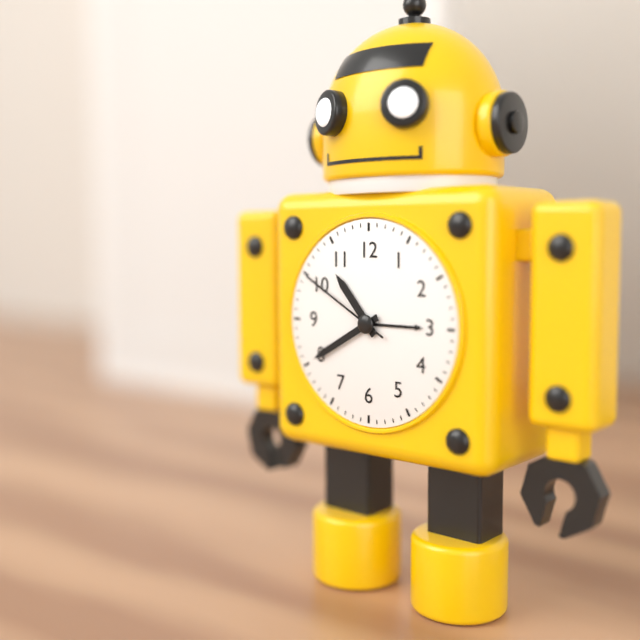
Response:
{"hour": 10, "minute": 40, "second": 50}
